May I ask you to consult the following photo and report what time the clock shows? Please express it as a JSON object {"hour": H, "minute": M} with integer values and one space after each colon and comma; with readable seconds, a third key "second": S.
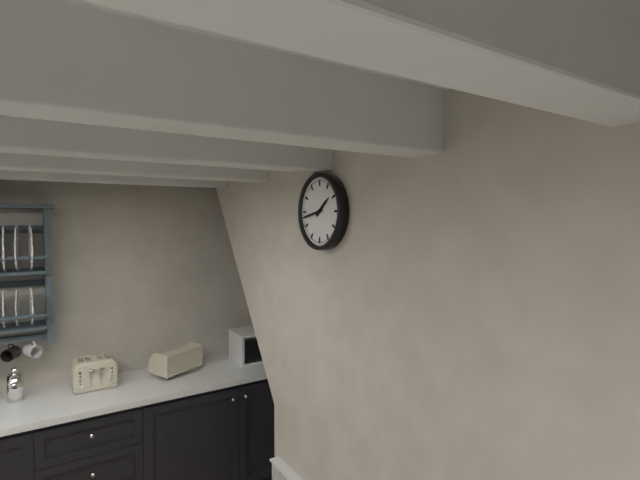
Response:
{"hour": 1, "minute": 43}
